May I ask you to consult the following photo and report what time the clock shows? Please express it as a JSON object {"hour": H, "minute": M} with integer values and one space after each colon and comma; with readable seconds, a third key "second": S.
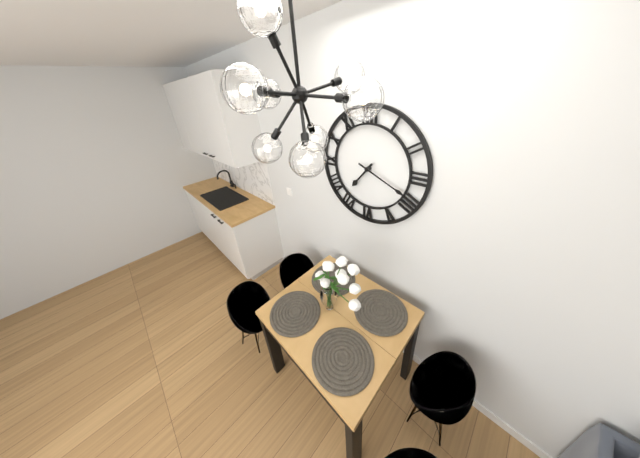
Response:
{"hour": 7, "minute": 19}
